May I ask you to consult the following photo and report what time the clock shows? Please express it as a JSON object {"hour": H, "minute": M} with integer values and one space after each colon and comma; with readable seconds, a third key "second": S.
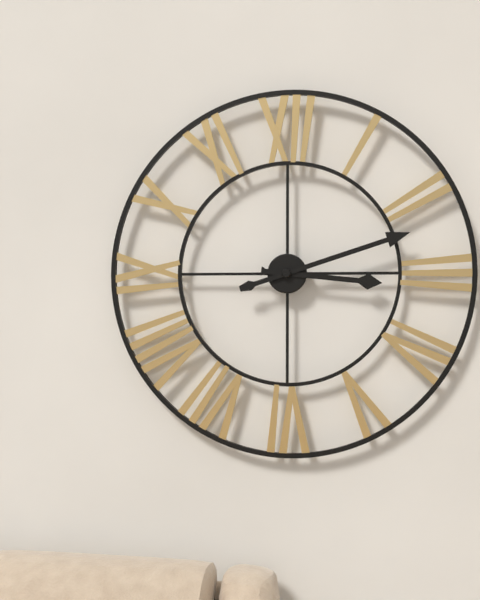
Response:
{"hour": 3, "minute": 12}
